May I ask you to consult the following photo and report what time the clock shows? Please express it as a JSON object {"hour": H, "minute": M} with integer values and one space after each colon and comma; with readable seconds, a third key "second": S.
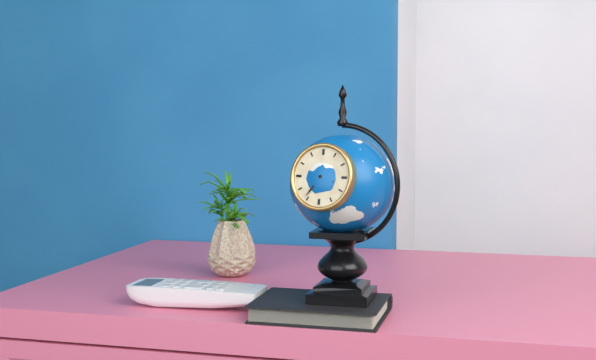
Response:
{"hour": 3, "minute": 36}
